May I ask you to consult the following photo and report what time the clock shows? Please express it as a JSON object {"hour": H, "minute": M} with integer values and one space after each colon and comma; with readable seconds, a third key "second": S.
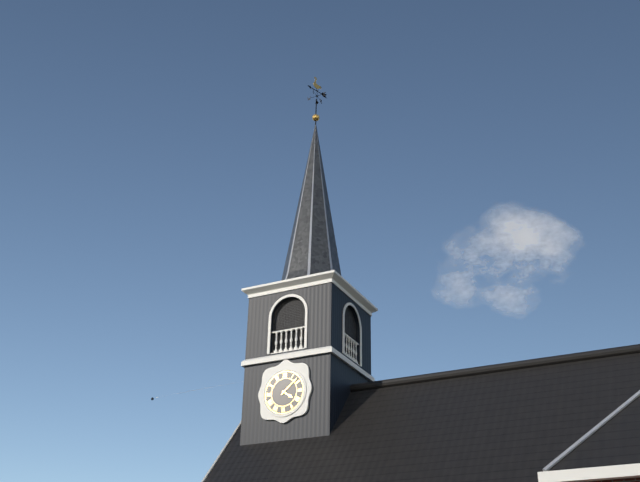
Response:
{"hour": 4, "minute": 8}
